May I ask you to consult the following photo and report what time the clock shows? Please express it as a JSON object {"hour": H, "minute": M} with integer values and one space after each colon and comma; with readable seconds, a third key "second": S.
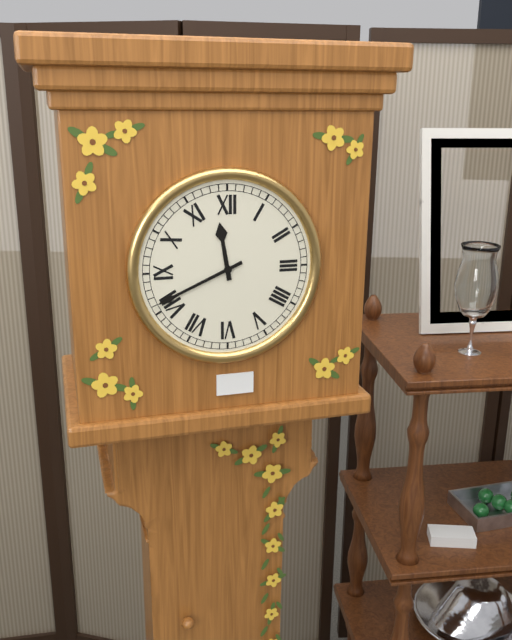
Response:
{"hour": 11, "minute": 41}
